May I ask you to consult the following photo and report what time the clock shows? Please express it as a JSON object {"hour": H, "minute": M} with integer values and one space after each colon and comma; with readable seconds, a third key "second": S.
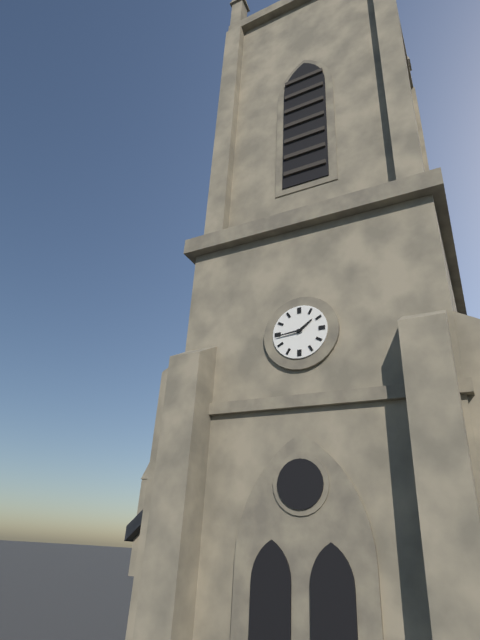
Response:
{"hour": 1, "minute": 44}
